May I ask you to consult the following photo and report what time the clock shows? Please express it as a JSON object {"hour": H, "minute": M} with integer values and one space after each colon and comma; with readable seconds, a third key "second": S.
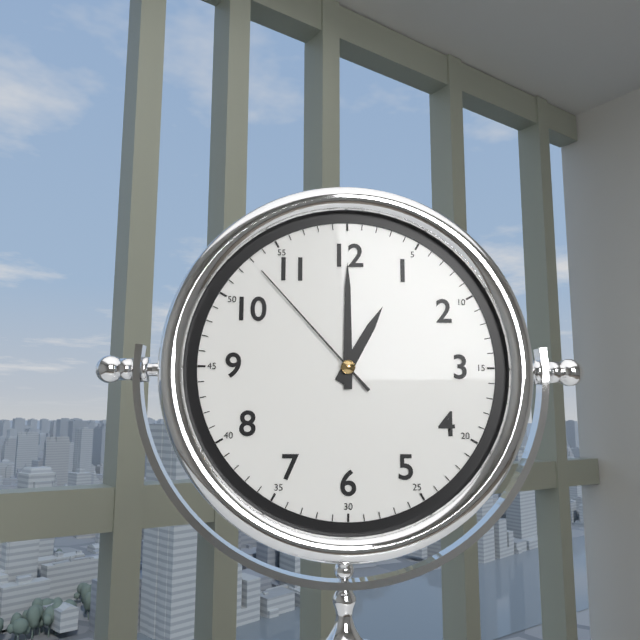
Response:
{"hour": 1, "minute": 0, "second": 53}
